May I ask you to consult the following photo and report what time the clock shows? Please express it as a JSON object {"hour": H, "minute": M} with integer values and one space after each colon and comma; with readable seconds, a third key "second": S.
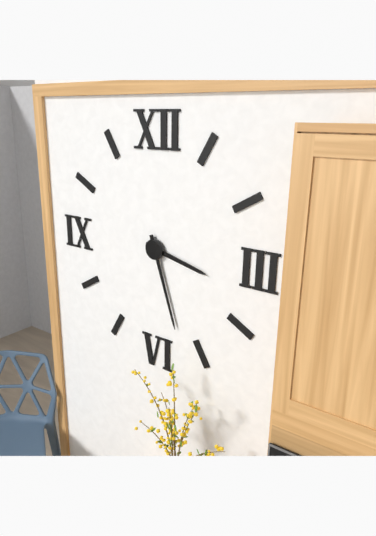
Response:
{"hour": 3, "minute": 27}
